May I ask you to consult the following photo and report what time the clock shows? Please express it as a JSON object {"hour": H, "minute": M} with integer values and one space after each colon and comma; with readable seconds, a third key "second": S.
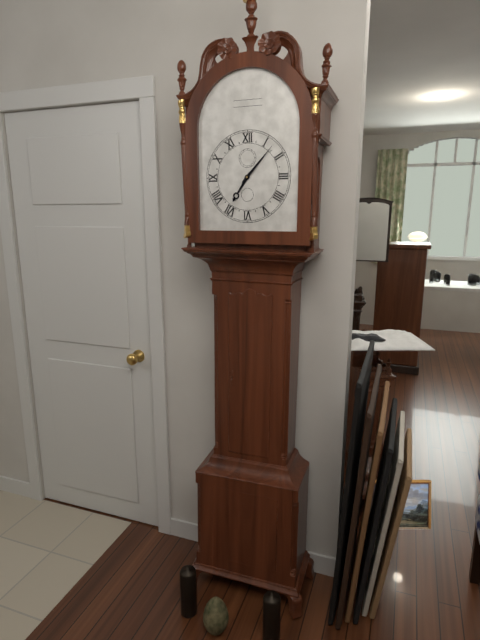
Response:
{"hour": 7, "minute": 7}
